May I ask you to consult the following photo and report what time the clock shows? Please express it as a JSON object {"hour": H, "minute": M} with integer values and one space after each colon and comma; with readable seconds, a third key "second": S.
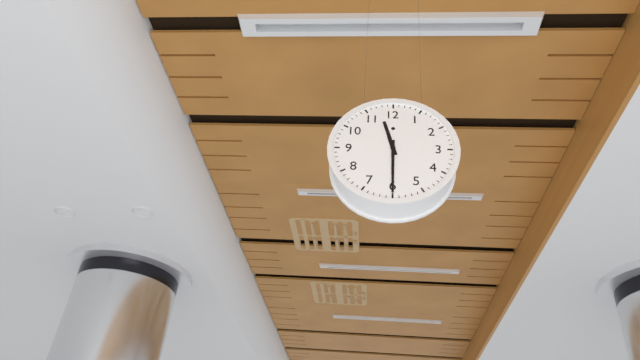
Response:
{"hour": 11, "minute": 30}
